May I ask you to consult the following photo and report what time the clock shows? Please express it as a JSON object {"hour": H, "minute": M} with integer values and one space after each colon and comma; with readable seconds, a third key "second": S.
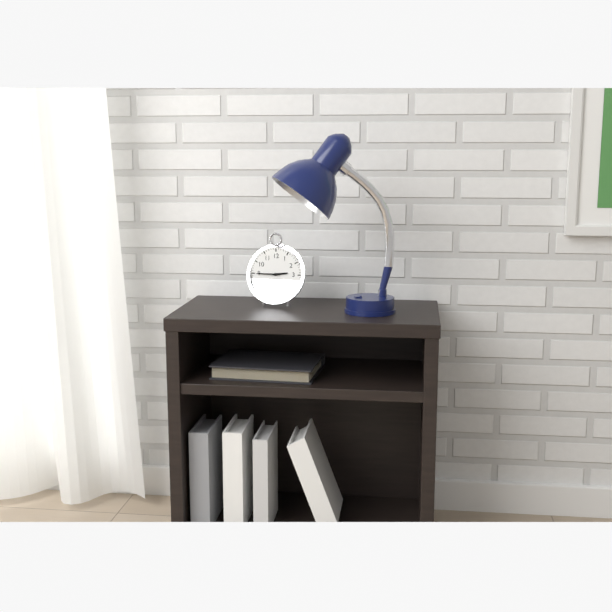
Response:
{"hour": 2, "minute": 45}
